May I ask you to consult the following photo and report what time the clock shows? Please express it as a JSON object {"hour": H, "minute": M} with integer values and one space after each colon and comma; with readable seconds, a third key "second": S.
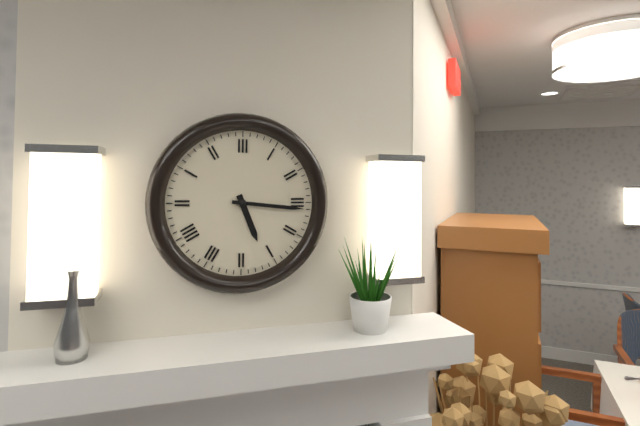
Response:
{"hour": 5, "minute": 16}
